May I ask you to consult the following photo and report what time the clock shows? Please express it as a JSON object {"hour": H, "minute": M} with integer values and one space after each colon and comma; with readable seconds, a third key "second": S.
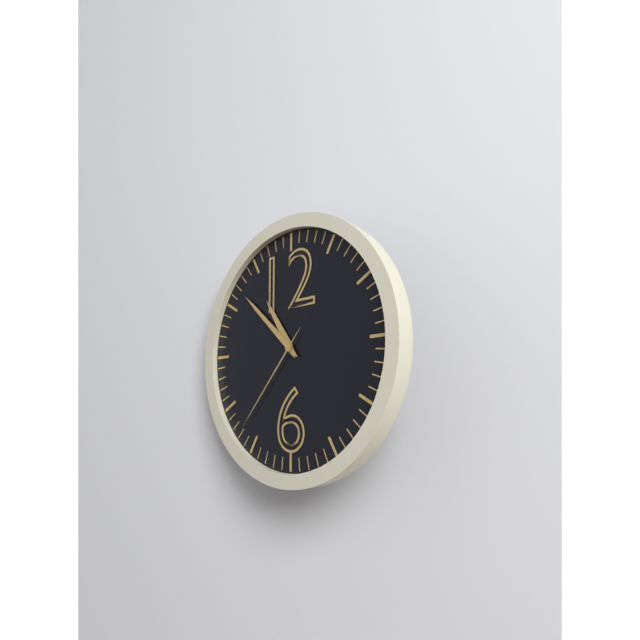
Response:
{"hour": 10, "minute": 52, "second": 37}
